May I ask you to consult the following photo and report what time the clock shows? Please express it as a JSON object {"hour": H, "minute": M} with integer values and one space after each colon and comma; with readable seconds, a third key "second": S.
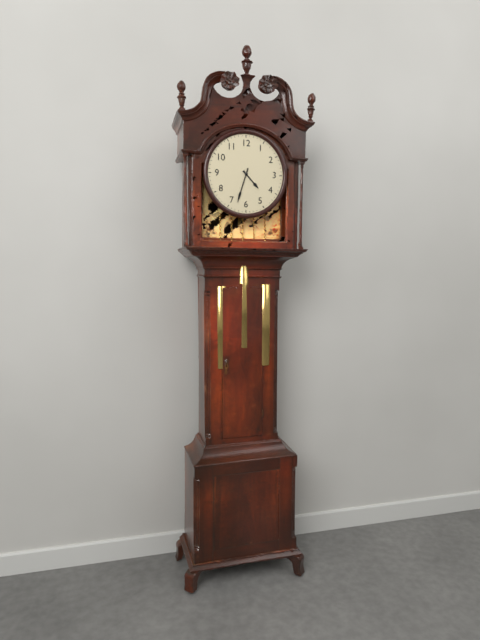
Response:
{"hour": 4, "minute": 33}
